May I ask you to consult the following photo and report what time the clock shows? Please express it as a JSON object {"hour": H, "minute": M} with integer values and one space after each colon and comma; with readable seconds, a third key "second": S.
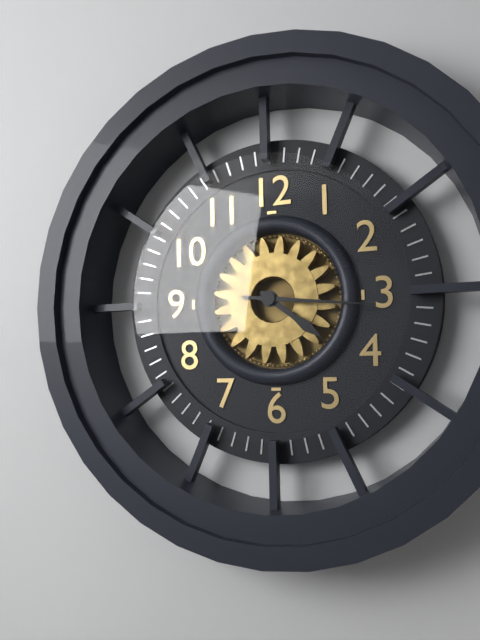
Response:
{"hour": 4, "minute": 16}
